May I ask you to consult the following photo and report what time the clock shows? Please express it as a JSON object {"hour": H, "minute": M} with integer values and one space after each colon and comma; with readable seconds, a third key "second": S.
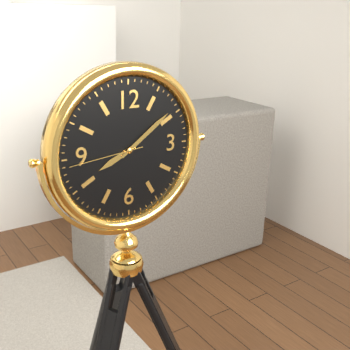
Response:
{"hour": 8, "minute": 9, "second": 44}
